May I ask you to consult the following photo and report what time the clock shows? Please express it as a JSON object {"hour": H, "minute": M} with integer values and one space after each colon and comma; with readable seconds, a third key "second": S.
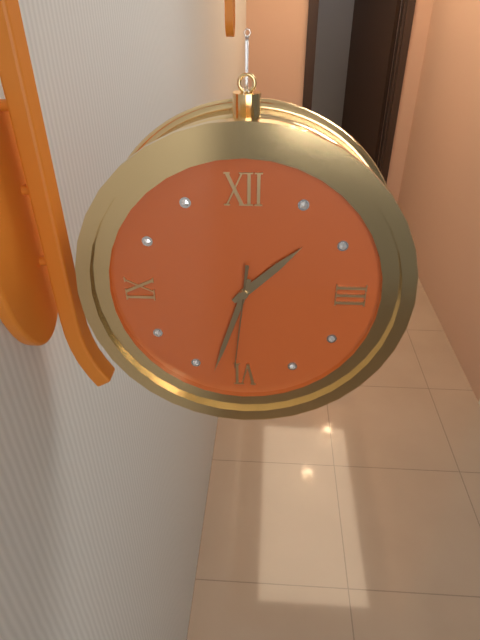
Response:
{"hour": 1, "minute": 33, "second": 31}
